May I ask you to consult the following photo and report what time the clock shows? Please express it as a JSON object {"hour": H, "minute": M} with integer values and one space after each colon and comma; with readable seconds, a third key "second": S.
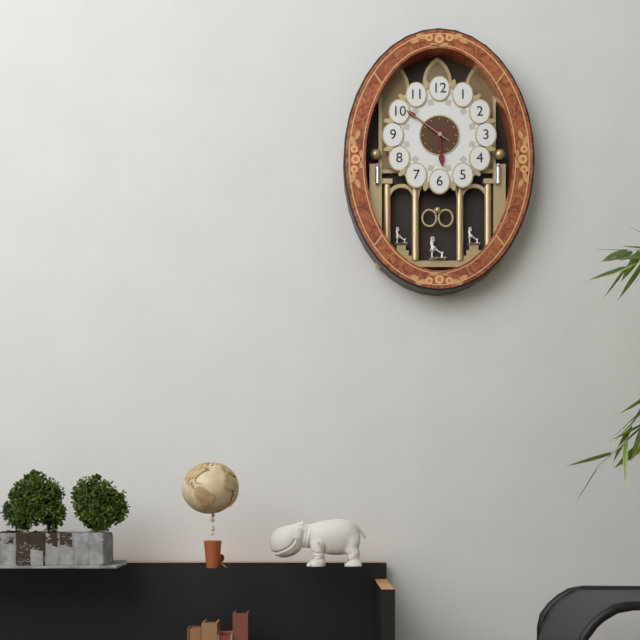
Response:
{"hour": 5, "minute": 51, "second": 51}
